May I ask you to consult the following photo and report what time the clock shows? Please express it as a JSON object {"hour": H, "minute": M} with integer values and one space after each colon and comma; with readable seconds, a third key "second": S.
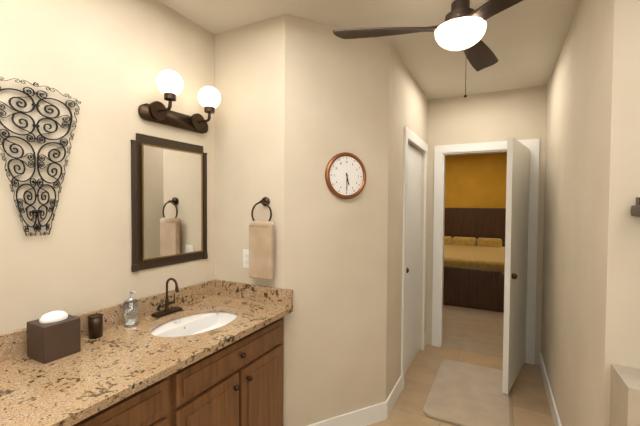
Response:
{"hour": 5, "minute": 30}
